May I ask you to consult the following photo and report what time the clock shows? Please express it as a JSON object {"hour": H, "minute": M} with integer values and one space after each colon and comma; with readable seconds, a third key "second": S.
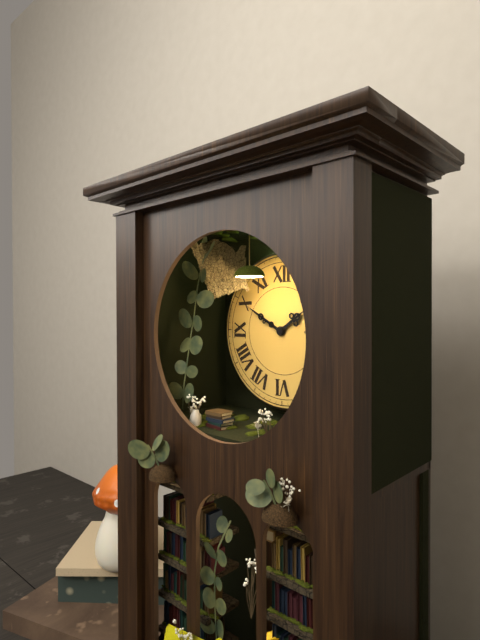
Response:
{"hour": 1, "minute": 50}
